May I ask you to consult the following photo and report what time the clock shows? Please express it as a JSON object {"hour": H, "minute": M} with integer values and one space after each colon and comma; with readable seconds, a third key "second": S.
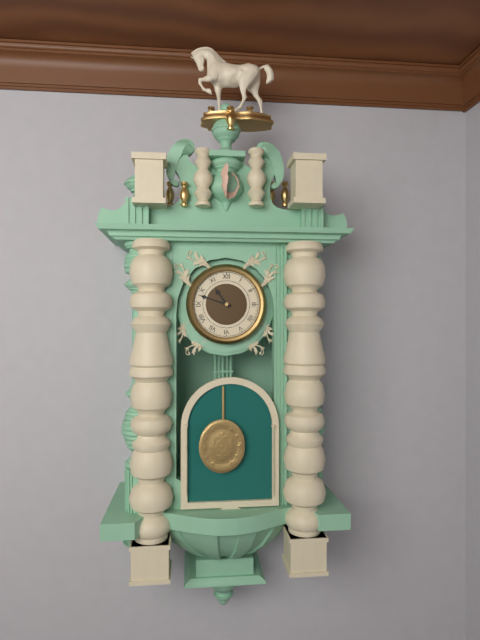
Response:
{"hour": 10, "minute": 48}
